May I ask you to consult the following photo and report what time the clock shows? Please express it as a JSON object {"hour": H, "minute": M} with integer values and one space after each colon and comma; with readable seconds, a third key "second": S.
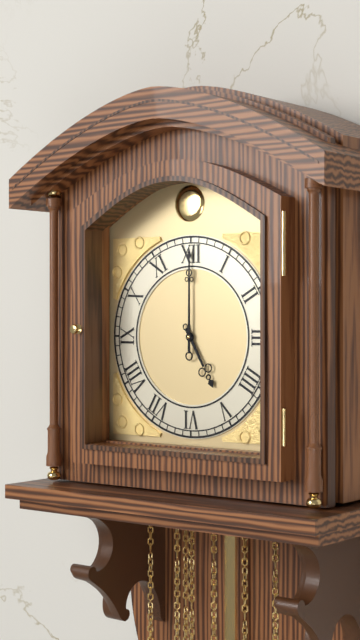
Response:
{"hour": 5, "minute": 0}
